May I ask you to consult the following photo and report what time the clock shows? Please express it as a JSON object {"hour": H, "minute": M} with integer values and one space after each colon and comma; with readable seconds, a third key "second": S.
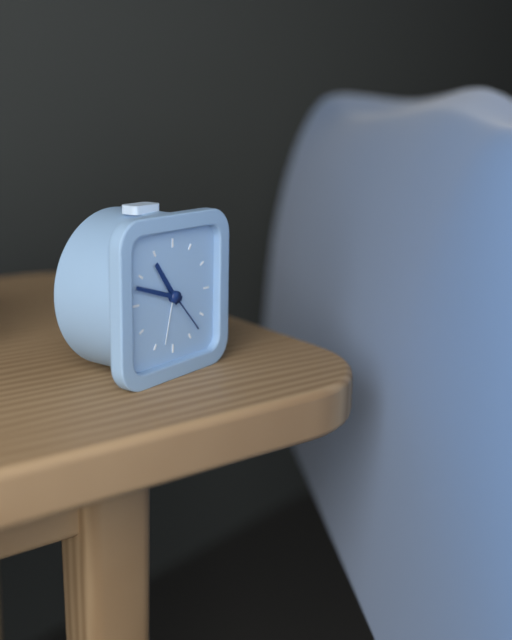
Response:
{"hour": 10, "minute": 48}
